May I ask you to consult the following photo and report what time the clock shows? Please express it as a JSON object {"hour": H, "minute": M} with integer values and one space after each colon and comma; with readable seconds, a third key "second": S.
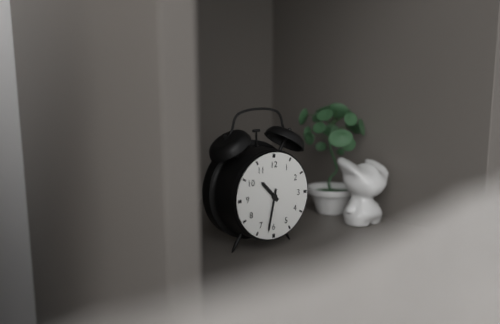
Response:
{"hour": 10, "minute": 32}
